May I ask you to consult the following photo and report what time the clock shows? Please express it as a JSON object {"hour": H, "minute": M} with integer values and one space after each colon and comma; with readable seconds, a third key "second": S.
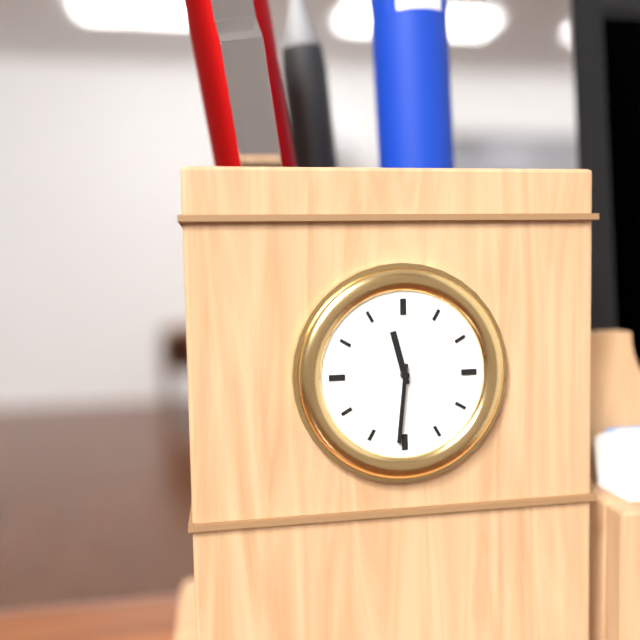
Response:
{"hour": 11, "minute": 31}
